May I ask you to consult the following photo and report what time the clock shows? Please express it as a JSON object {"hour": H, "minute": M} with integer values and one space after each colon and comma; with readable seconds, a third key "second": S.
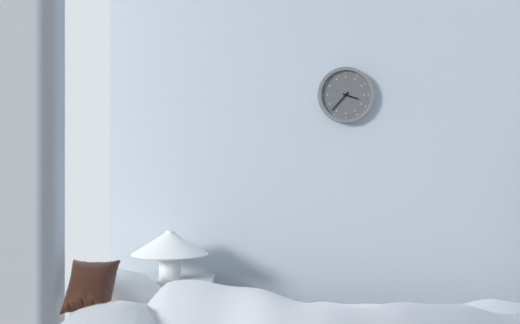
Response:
{"hour": 3, "minute": 37}
